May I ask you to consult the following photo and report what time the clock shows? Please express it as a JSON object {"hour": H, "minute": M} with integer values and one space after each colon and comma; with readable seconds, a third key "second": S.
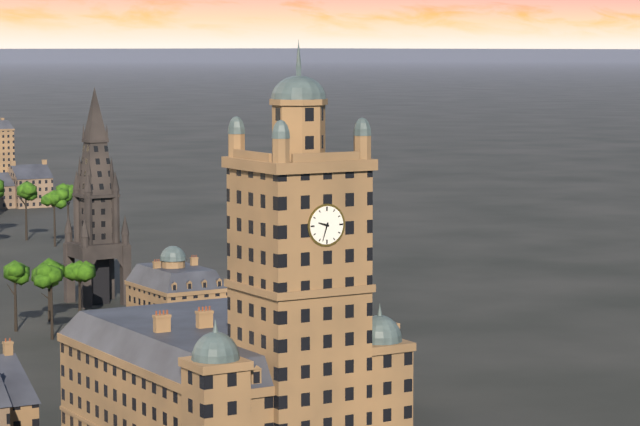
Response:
{"hour": 9, "minute": 33}
